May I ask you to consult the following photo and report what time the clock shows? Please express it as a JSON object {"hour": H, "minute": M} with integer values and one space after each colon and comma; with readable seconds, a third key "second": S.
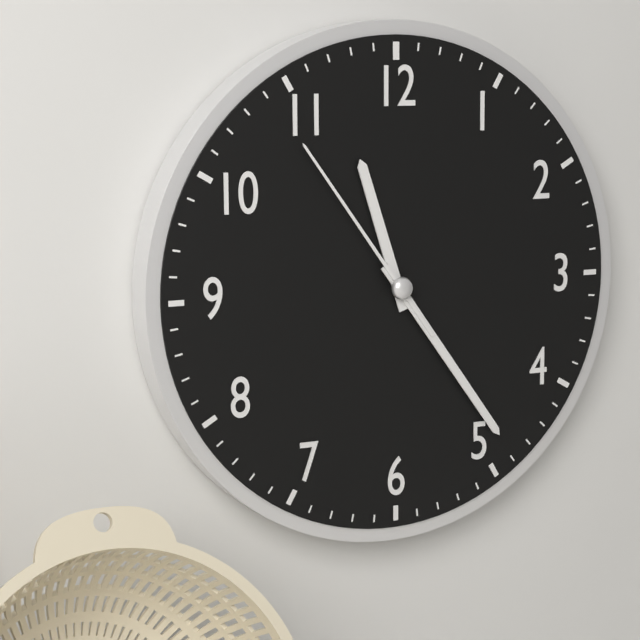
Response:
{"hour": 11, "minute": 24, "second": 54}
